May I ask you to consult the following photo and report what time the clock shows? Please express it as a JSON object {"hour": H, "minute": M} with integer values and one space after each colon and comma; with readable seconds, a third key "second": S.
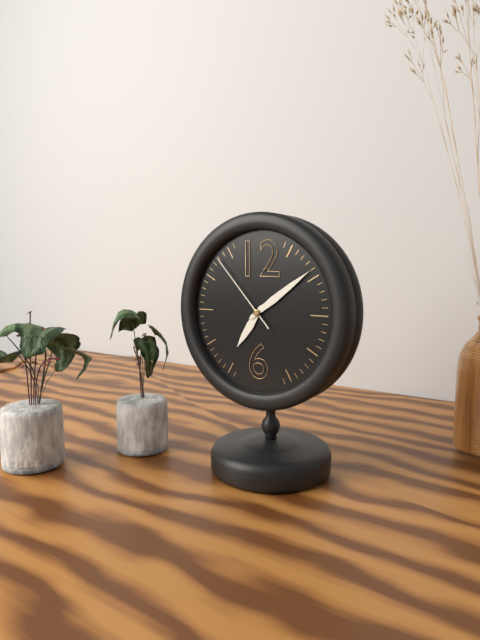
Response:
{"hour": 7, "minute": 9, "second": 53}
